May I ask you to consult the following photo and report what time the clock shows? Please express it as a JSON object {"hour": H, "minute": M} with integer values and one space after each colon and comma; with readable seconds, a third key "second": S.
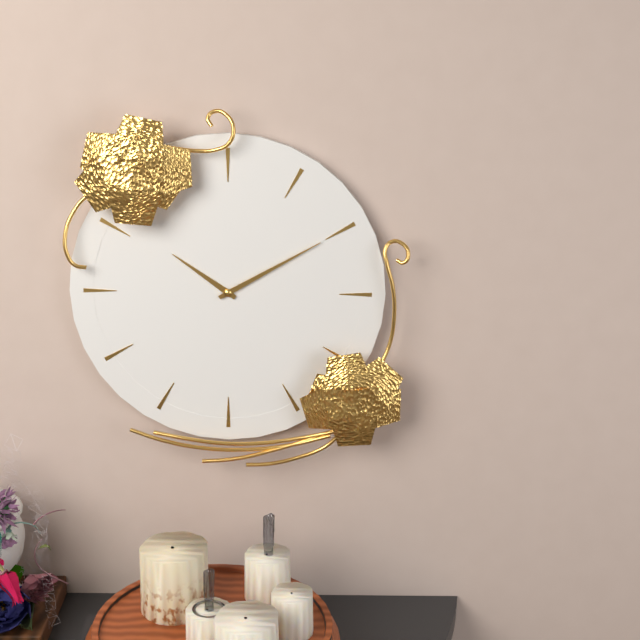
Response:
{"hour": 10, "minute": 10}
